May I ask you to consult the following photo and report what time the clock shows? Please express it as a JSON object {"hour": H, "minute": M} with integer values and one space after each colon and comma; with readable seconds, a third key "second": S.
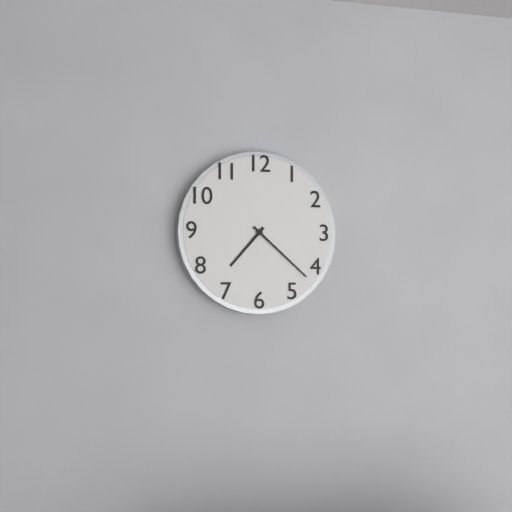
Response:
{"hour": 7, "minute": 22}
